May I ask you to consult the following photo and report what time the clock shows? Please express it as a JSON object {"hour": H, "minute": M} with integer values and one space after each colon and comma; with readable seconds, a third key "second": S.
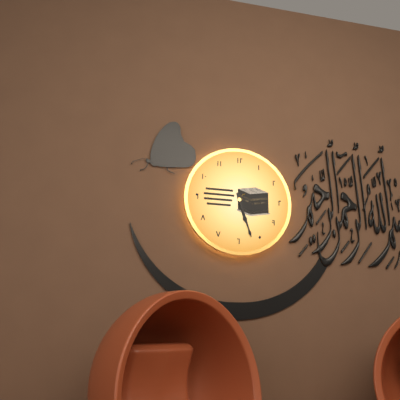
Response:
{"hour": 5, "minute": 27}
